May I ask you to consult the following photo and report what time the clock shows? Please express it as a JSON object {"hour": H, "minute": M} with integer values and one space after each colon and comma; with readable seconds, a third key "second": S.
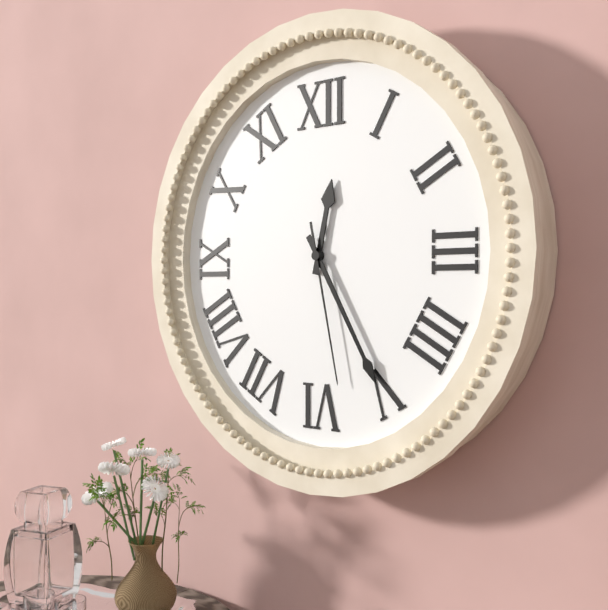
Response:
{"hour": 12, "minute": 25, "second": 28}
